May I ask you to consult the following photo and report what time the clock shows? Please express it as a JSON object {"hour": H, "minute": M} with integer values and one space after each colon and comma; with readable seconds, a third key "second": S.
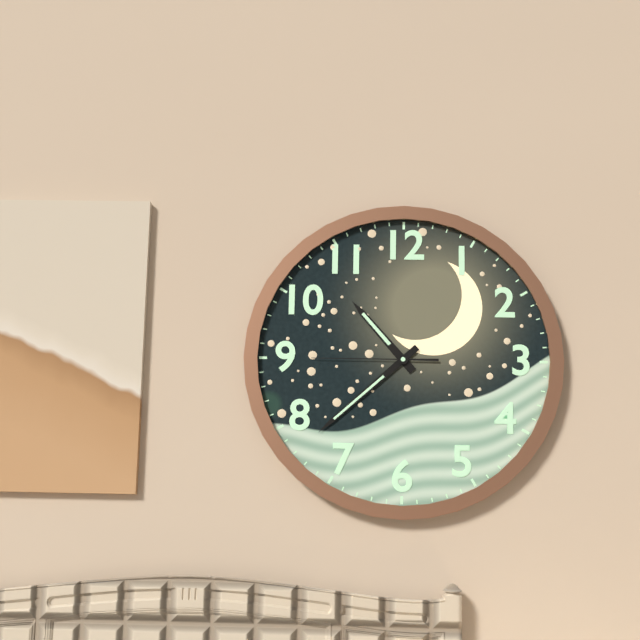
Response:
{"hour": 10, "minute": 38, "second": 45}
